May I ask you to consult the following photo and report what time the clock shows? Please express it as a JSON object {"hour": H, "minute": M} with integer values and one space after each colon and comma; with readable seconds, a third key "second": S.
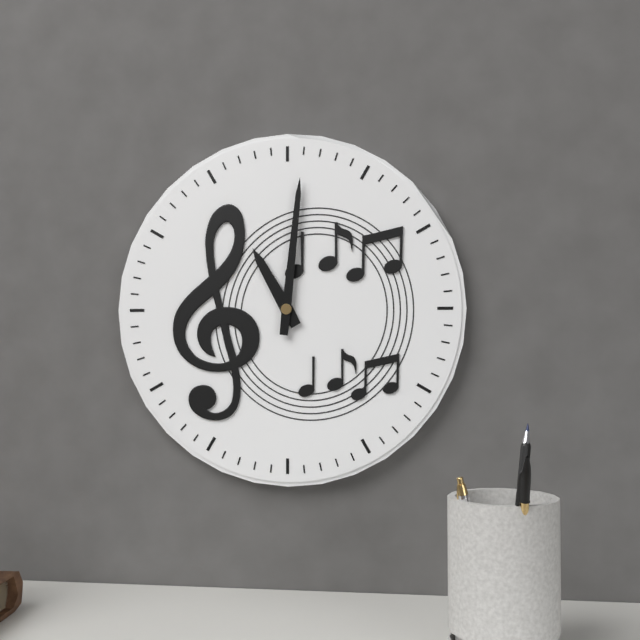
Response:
{"hour": 11, "minute": 1}
